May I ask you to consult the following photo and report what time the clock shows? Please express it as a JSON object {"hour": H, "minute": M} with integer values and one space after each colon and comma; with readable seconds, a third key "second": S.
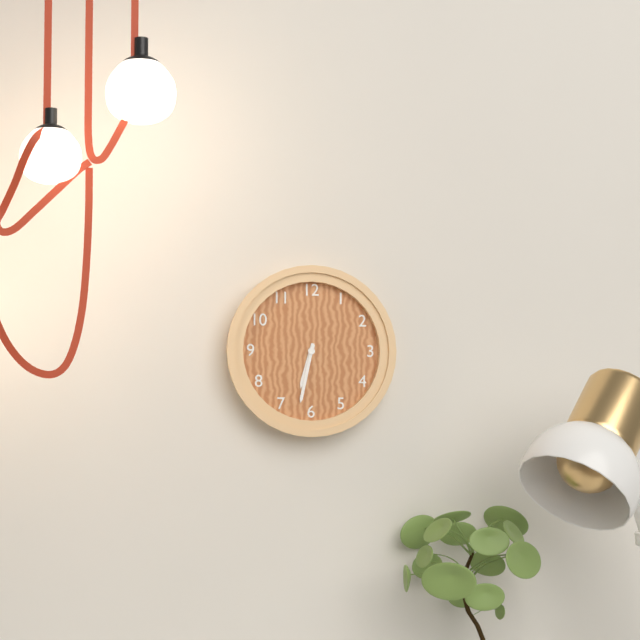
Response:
{"hour": 6, "minute": 32}
